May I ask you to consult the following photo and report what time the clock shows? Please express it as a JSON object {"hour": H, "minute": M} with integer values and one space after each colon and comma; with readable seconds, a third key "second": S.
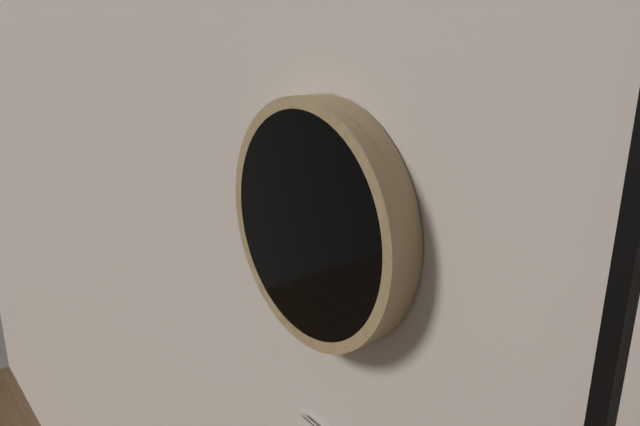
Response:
{"hour": 5, "minute": 53}
